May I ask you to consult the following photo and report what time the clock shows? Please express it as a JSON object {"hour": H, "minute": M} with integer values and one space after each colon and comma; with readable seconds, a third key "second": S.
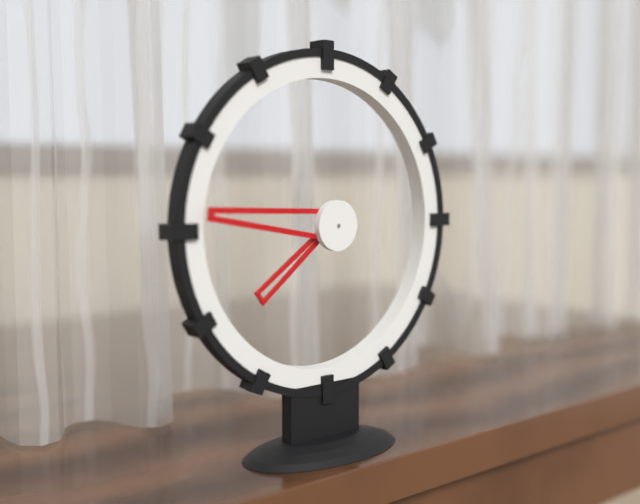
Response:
{"hour": 7, "minute": 46}
